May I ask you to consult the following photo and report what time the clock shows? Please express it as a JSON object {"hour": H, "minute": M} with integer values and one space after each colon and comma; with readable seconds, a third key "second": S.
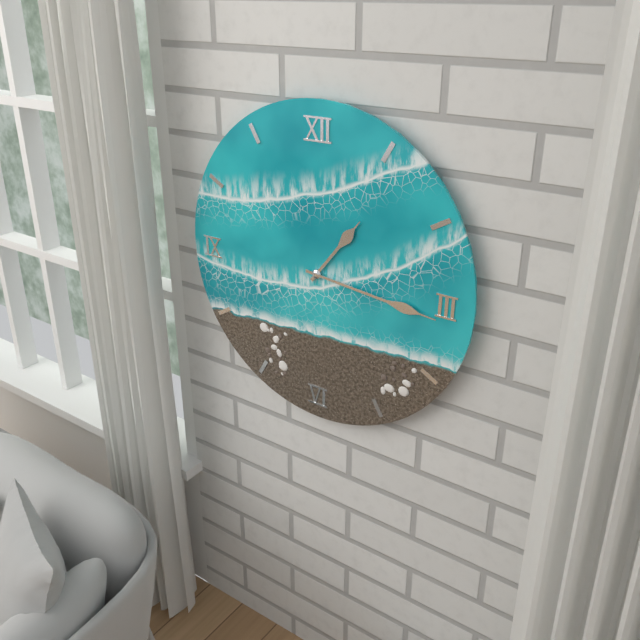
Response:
{"hour": 1, "minute": 16}
